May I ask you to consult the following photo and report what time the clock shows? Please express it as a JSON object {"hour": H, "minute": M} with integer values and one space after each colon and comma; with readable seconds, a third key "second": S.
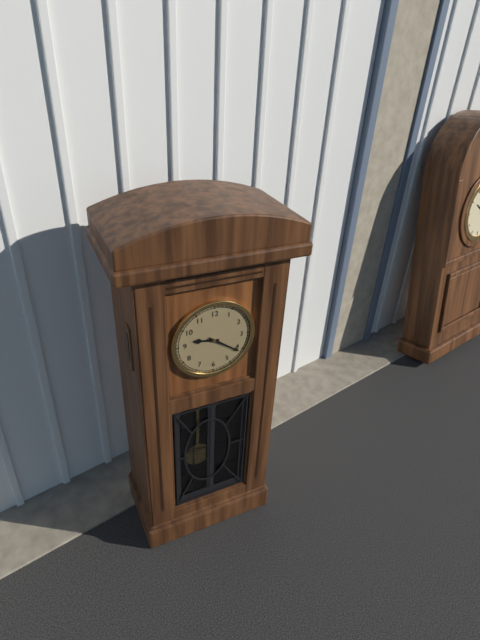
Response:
{"hour": 9, "minute": 21}
